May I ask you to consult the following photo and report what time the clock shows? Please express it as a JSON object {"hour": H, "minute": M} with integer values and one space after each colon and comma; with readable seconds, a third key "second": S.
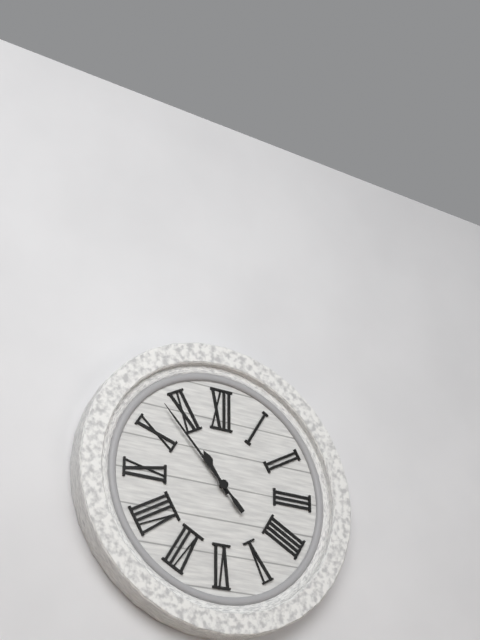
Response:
{"hour": 10, "minute": 53}
